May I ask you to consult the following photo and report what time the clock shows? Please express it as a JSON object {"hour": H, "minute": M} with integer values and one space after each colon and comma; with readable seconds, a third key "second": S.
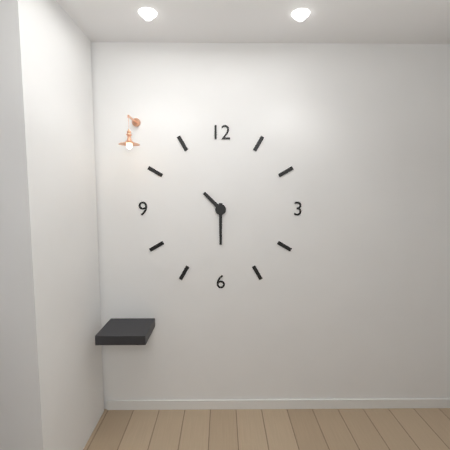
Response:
{"hour": 10, "minute": 30}
